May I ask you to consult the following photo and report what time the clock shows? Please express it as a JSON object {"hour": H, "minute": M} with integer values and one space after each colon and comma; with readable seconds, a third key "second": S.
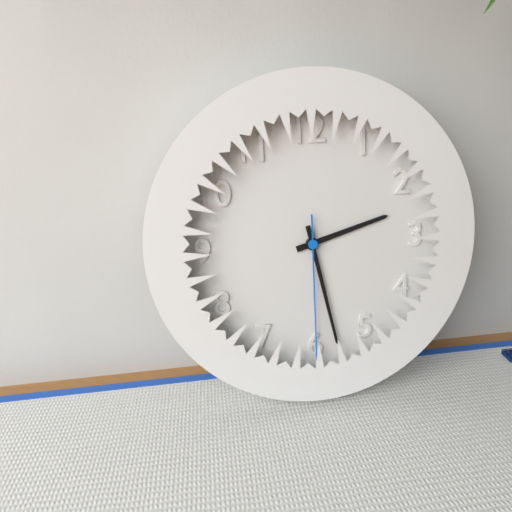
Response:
{"hour": 2, "minute": 28, "second": 30}
